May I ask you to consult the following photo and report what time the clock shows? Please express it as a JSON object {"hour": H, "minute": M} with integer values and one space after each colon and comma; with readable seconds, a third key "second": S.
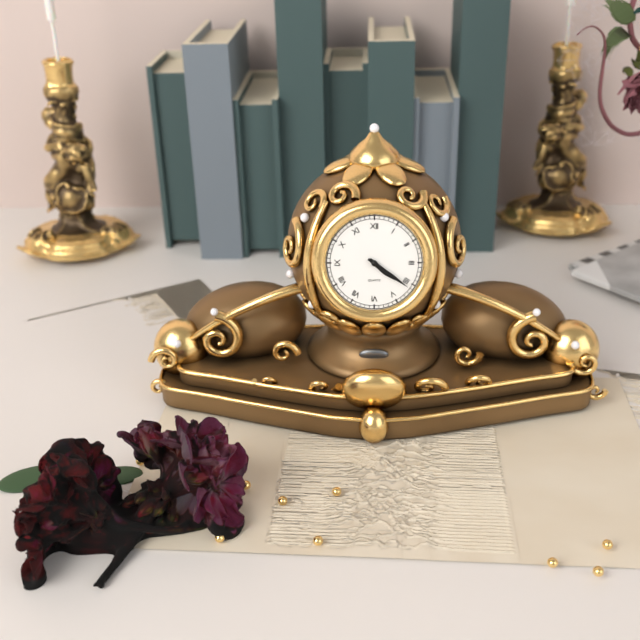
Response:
{"hour": 4, "minute": 21}
